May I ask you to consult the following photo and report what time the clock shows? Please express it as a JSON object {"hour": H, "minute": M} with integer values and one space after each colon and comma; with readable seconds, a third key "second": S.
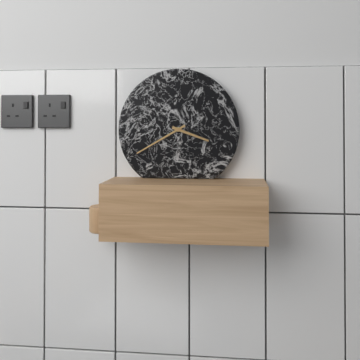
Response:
{"hour": 3, "minute": 40}
